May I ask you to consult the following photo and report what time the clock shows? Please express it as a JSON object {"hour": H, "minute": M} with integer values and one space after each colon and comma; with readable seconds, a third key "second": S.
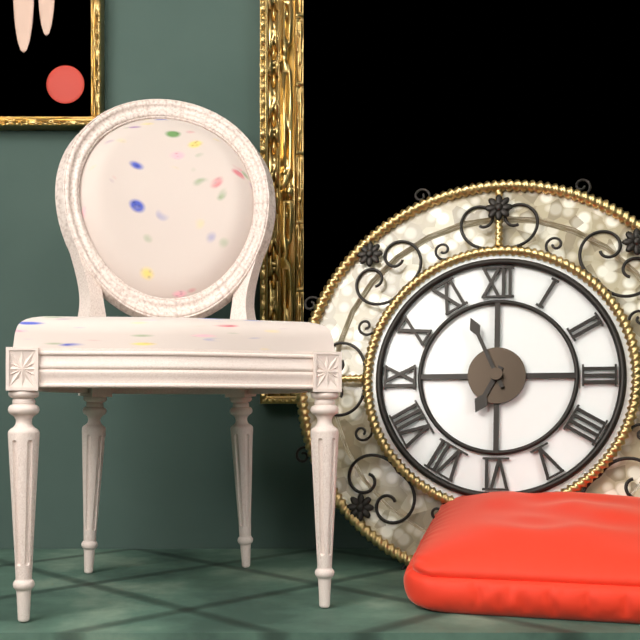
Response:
{"hour": 6, "minute": 56}
